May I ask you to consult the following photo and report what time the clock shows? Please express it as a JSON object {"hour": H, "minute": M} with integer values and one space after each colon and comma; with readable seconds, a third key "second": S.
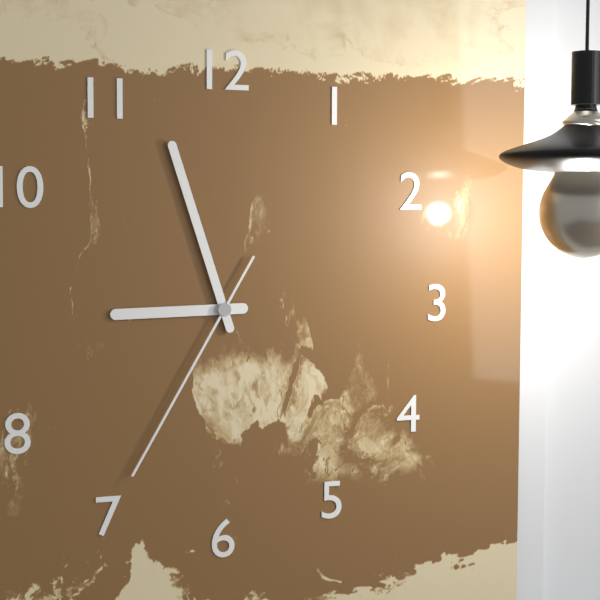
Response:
{"hour": 8, "minute": 57, "second": 35}
